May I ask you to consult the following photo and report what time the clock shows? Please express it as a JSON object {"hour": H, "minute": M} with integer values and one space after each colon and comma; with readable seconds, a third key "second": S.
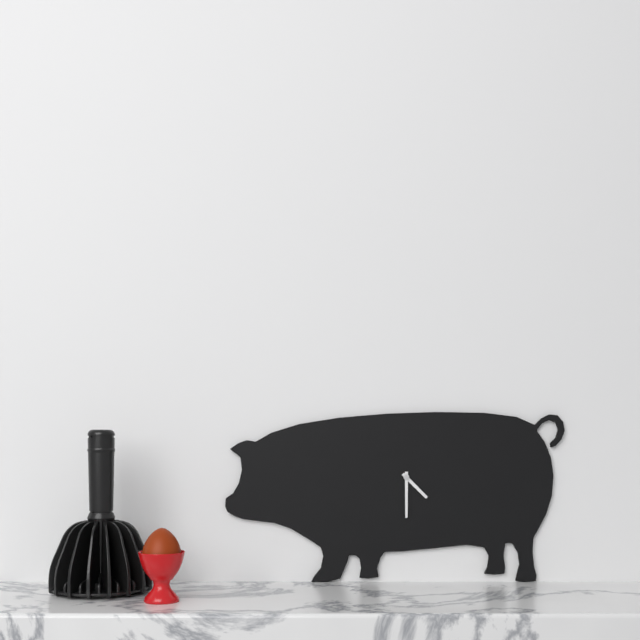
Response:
{"hour": 4, "minute": 30}
